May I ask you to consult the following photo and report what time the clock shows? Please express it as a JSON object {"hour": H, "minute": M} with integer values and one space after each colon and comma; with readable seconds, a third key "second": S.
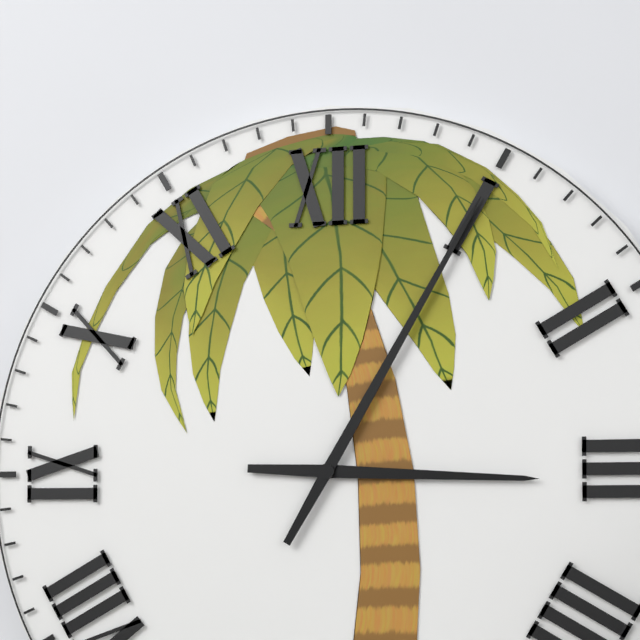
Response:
{"hour": 3, "minute": 5}
